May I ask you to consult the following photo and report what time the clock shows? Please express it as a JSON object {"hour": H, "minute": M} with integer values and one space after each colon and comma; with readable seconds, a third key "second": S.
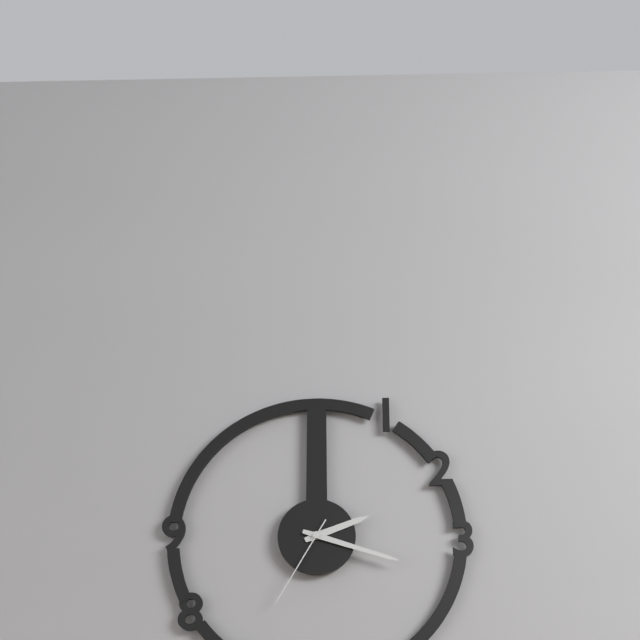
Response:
{"hour": 2, "minute": 18, "second": 35}
